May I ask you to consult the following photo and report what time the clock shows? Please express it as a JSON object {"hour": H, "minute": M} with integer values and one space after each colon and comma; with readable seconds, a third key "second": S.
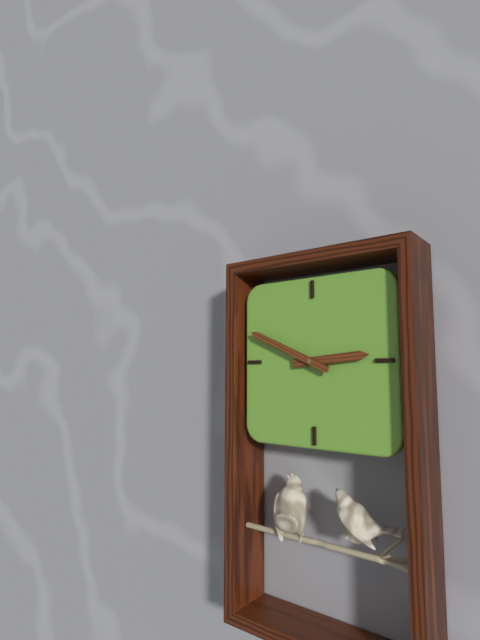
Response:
{"hour": 2, "minute": 49}
